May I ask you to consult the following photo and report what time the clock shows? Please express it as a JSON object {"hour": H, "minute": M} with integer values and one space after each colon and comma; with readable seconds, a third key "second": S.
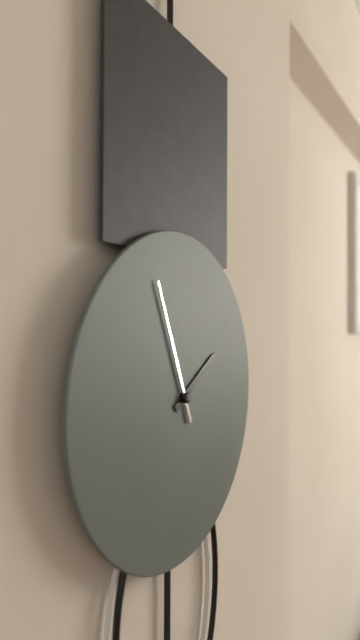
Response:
{"hour": 1, "minute": 56}
